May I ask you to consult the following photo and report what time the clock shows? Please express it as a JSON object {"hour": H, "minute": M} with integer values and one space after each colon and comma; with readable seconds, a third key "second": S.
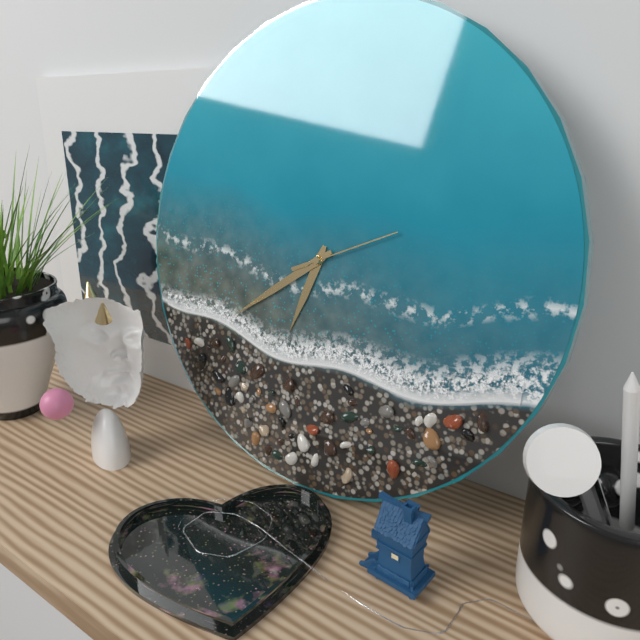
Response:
{"hour": 6, "minute": 39, "second": 11}
